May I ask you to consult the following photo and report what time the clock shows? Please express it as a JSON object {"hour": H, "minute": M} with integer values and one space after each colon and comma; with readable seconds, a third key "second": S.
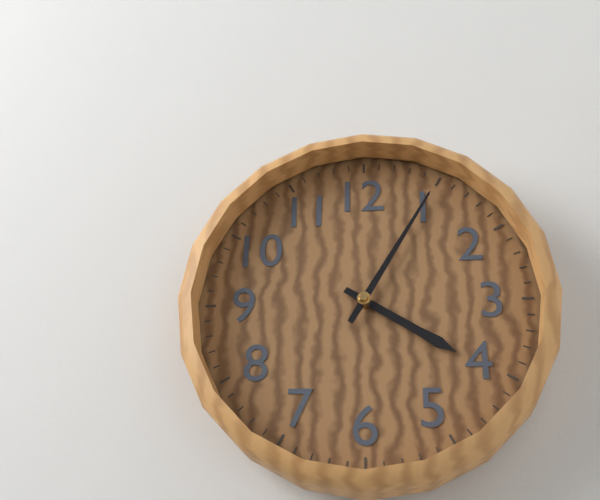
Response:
{"hour": 4, "minute": 5}
